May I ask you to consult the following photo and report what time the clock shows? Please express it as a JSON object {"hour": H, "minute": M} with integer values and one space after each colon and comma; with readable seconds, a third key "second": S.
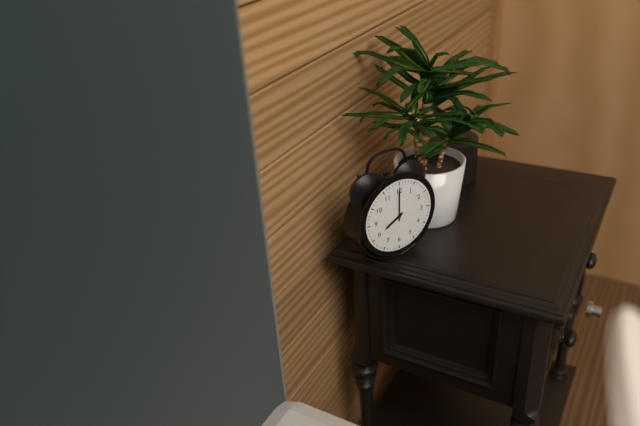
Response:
{"hour": 8, "minute": 0}
